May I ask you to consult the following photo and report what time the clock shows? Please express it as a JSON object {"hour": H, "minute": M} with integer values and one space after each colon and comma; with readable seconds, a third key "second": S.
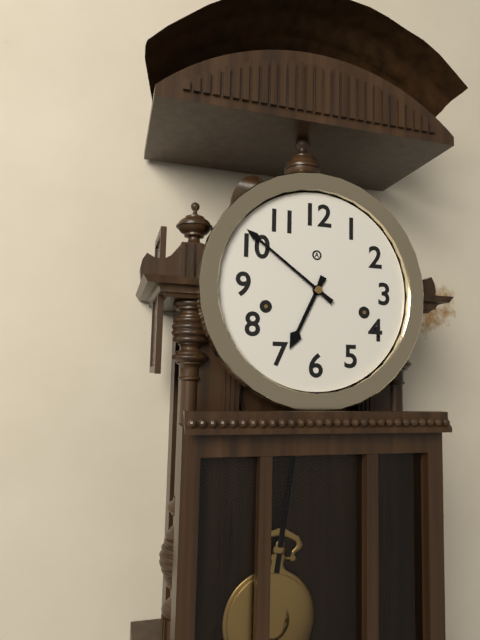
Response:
{"hour": 6, "minute": 51}
